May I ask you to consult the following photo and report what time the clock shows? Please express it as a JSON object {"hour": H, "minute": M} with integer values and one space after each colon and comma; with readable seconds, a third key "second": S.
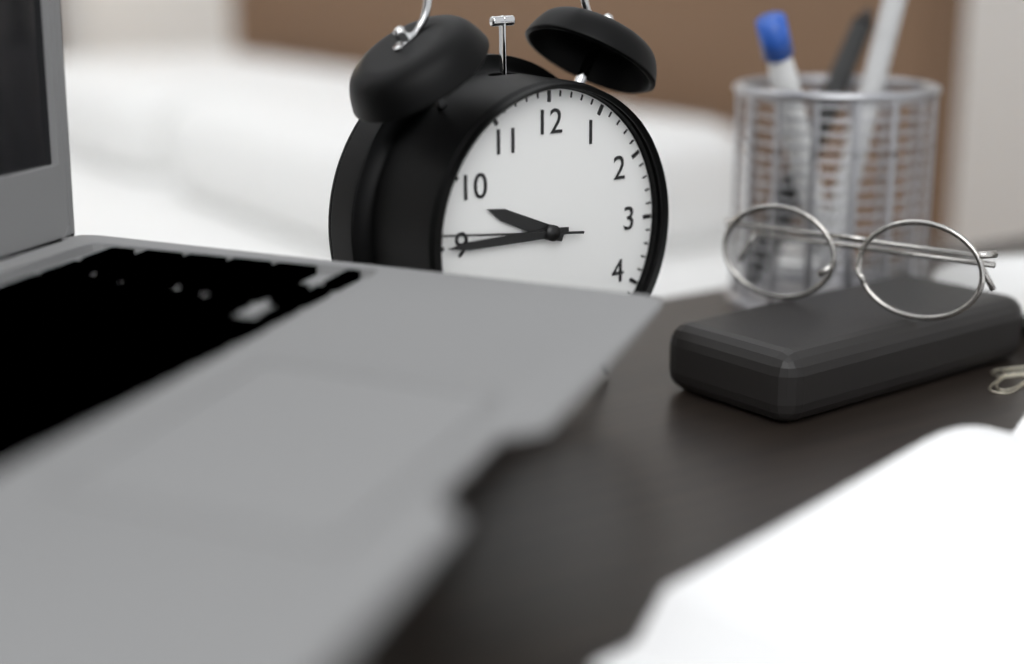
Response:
{"hour": 9, "minute": 45, "second": 46}
